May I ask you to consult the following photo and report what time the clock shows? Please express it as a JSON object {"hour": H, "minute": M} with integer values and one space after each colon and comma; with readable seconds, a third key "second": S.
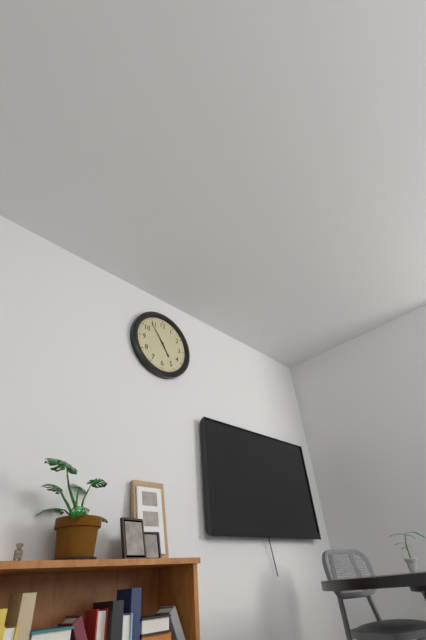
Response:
{"hour": 4, "minute": 54}
